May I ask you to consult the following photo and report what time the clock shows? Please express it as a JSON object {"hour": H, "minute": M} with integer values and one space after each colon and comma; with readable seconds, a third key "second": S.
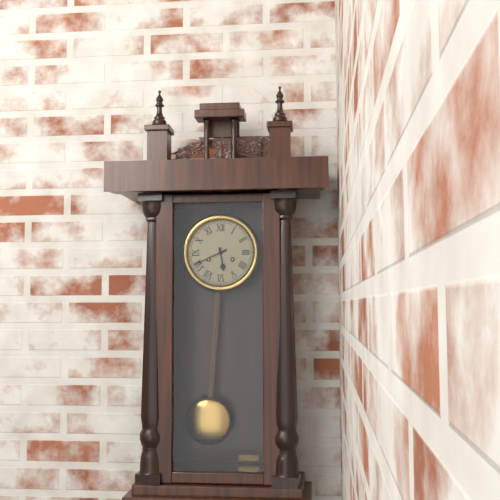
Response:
{"hour": 5, "minute": 41}
